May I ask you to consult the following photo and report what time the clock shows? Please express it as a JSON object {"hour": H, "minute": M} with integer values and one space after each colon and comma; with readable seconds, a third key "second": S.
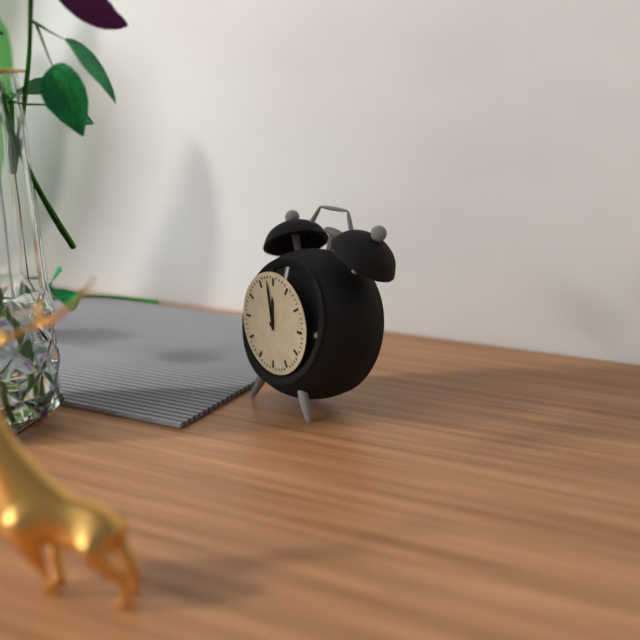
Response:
{"hour": 11, "minute": 58}
